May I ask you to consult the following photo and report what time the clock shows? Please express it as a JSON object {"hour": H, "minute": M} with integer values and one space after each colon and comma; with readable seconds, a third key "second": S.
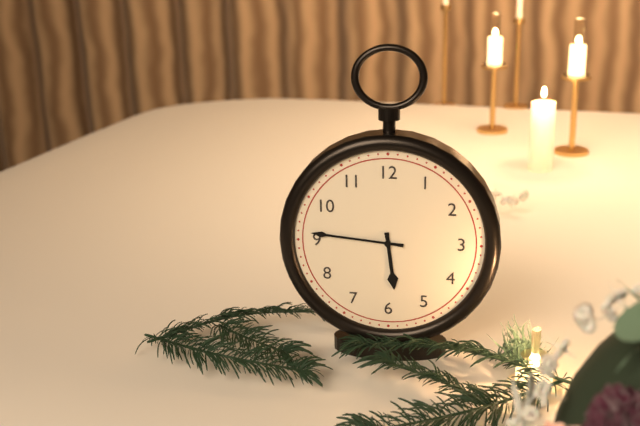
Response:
{"hour": 5, "minute": 46}
